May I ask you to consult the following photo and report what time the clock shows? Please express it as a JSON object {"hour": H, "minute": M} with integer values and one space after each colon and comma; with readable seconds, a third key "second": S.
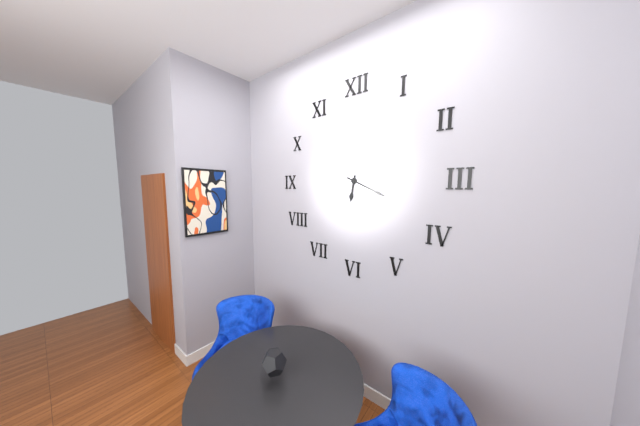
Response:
{"hour": 6, "minute": 19}
